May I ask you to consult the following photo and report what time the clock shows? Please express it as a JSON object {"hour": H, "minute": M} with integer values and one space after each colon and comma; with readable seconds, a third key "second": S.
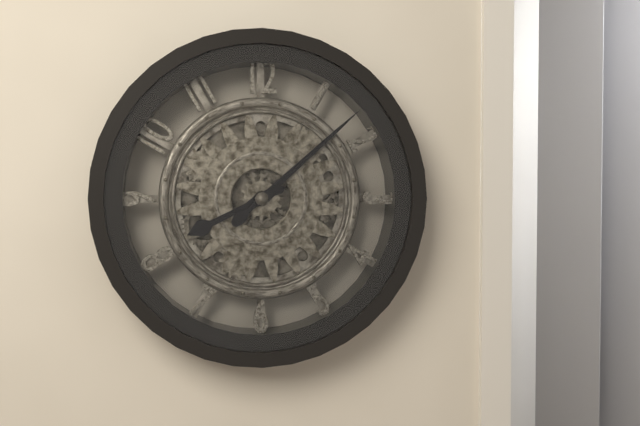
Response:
{"hour": 8, "minute": 8}
